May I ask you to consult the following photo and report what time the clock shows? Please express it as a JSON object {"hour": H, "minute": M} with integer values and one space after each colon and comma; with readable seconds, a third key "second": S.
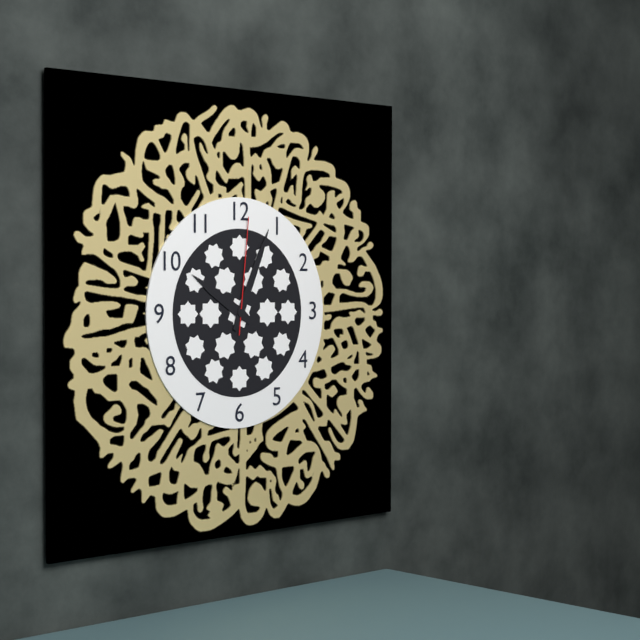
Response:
{"hour": 10, "minute": 4, "second": 1}
